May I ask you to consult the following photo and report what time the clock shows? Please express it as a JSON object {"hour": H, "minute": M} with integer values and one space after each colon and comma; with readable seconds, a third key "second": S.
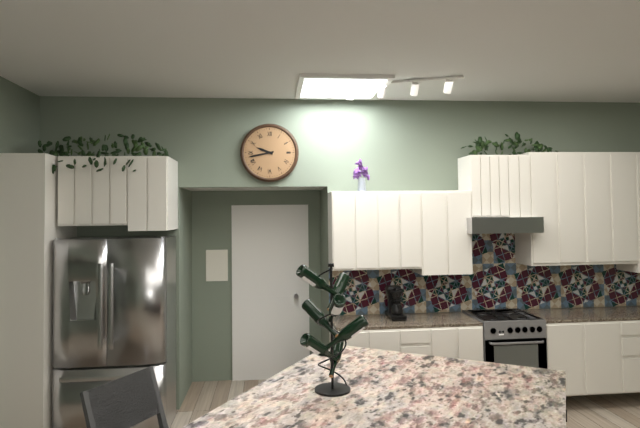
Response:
{"hour": 9, "minute": 43}
